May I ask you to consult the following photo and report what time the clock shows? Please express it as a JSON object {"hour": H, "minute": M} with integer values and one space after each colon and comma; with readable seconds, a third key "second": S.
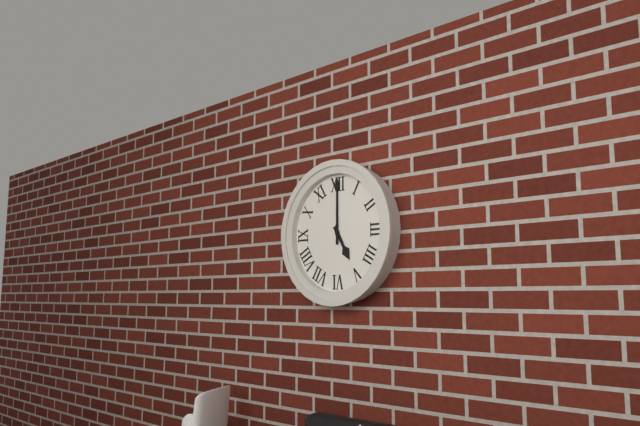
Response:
{"hour": 5, "minute": 0}
